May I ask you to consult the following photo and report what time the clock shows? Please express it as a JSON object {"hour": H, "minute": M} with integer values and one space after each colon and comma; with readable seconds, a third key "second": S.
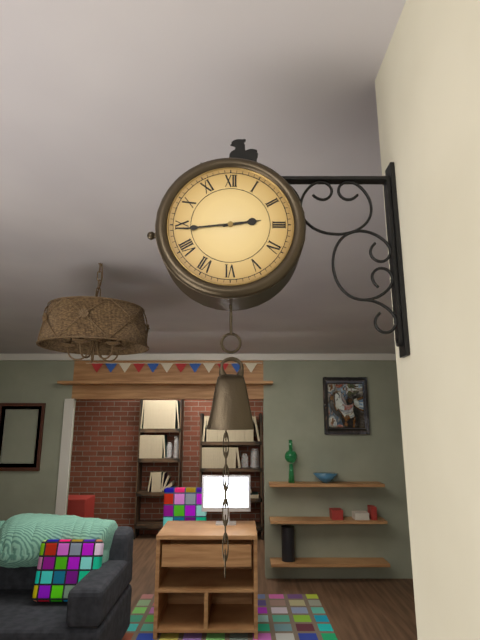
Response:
{"hour": 2, "minute": 44}
